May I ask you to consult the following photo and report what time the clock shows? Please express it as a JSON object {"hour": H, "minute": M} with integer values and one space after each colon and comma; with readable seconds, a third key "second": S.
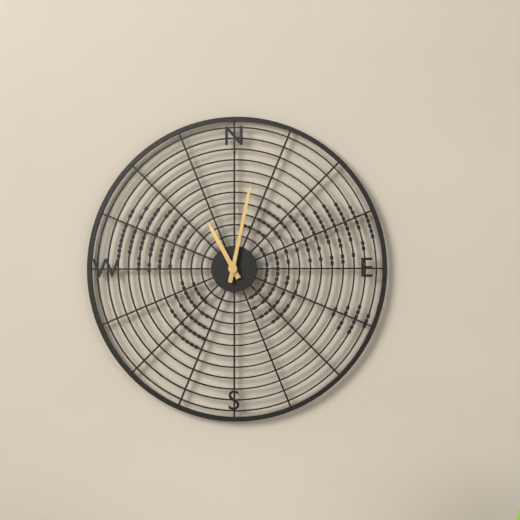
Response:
{"hour": 11, "minute": 2}
